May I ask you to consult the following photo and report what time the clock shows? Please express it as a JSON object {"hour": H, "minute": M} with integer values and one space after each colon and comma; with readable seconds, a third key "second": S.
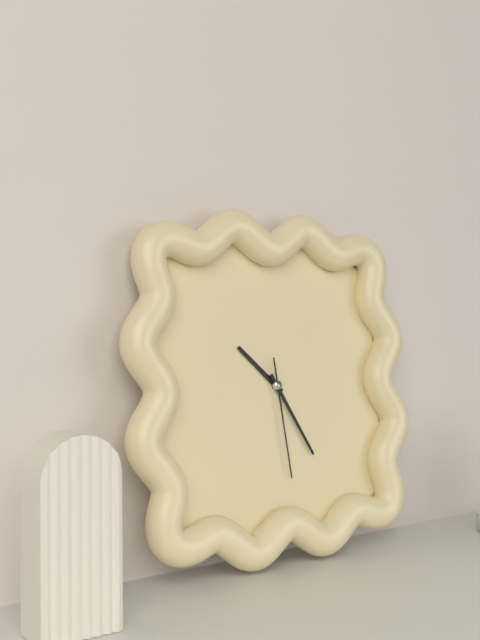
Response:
{"hour": 10, "minute": 25, "second": 29}
